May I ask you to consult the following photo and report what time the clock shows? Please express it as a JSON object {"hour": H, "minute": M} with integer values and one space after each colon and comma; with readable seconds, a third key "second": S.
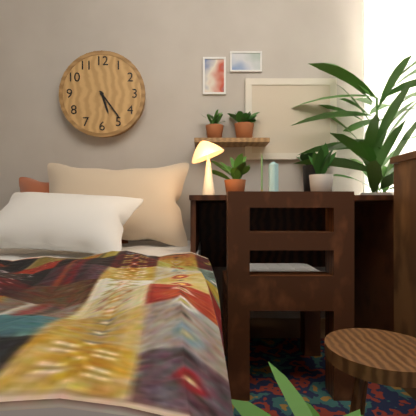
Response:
{"hour": 5, "minute": 24}
